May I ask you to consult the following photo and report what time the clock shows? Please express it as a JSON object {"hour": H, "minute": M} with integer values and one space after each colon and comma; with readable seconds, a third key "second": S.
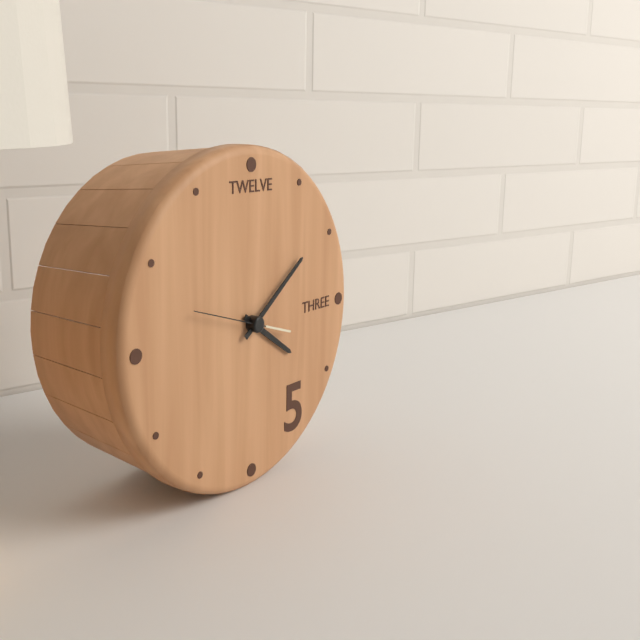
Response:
{"hour": 4, "minute": 9, "second": 48}
